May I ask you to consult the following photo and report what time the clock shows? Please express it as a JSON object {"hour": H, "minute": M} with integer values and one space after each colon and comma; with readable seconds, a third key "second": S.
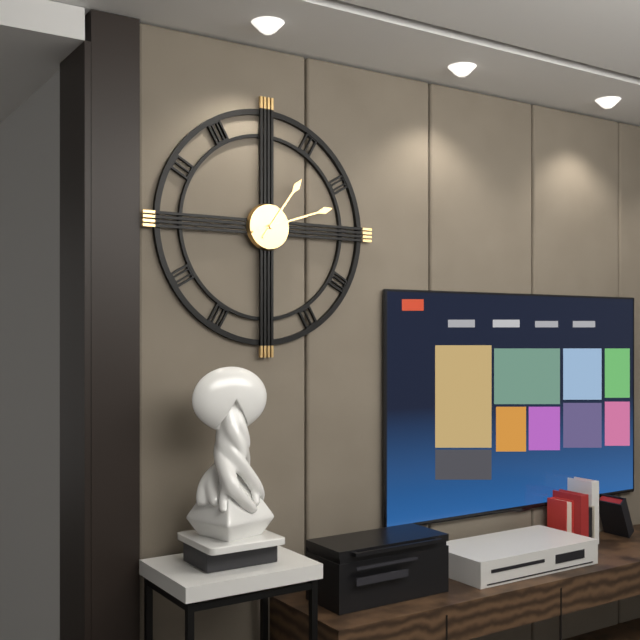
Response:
{"hour": 1, "minute": 12}
